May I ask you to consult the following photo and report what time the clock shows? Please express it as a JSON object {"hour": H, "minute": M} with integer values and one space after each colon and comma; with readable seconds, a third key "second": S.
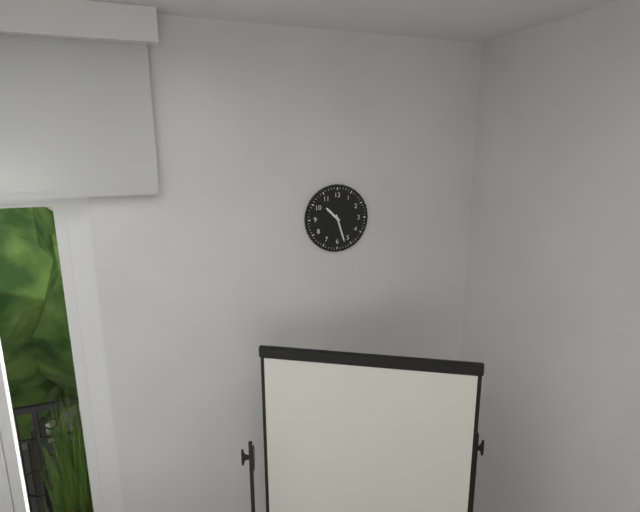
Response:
{"hour": 10, "minute": 27}
